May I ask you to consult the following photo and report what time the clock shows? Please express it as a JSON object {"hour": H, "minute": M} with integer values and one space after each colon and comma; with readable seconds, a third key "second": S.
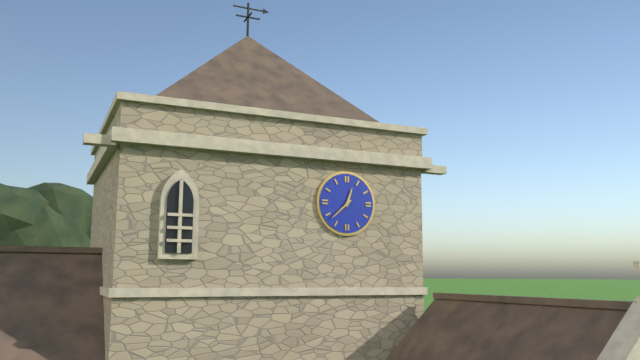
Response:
{"hour": 12, "minute": 38}
